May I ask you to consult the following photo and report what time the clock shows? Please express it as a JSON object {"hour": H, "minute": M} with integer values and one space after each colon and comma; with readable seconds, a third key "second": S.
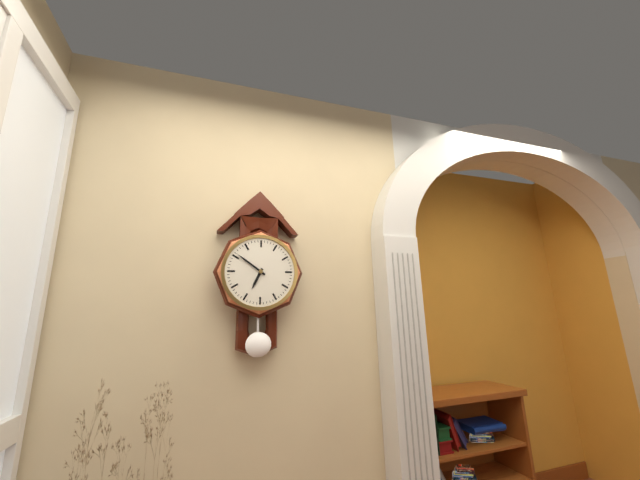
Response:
{"hour": 6, "minute": 51}
